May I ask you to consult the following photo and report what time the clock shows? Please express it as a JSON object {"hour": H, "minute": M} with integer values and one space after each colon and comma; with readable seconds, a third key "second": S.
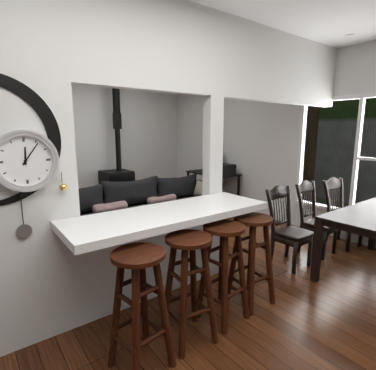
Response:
{"hour": 12, "minute": 6}
